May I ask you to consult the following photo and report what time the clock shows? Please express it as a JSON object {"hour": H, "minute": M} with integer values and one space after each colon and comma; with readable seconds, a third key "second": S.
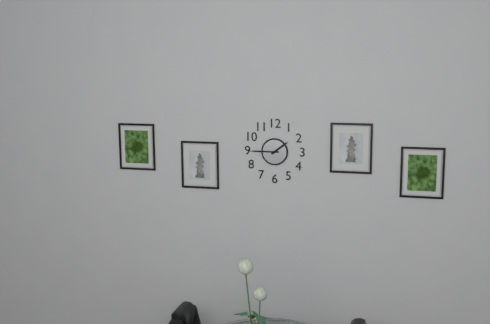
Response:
{"hour": 1, "minute": 45}
